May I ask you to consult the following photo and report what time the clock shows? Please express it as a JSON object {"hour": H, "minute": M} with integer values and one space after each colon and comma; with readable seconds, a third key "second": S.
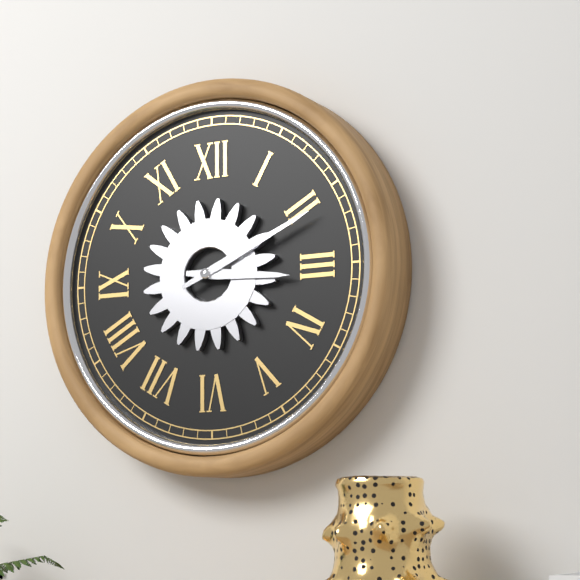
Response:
{"hour": 3, "minute": 11}
